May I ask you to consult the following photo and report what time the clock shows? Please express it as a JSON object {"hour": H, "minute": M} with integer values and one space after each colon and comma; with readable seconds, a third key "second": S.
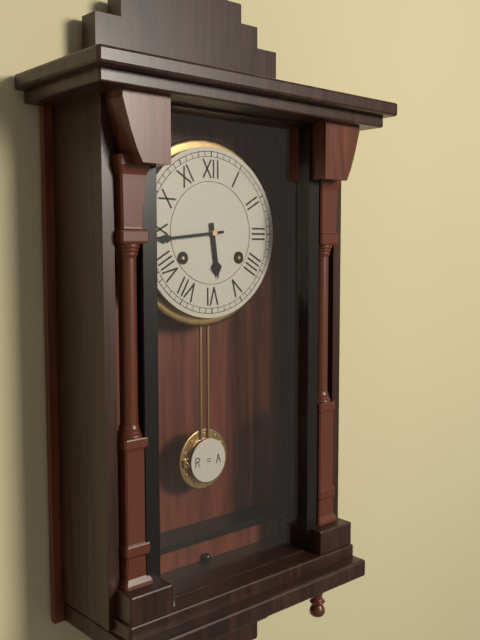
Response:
{"hour": 5, "minute": 44}
